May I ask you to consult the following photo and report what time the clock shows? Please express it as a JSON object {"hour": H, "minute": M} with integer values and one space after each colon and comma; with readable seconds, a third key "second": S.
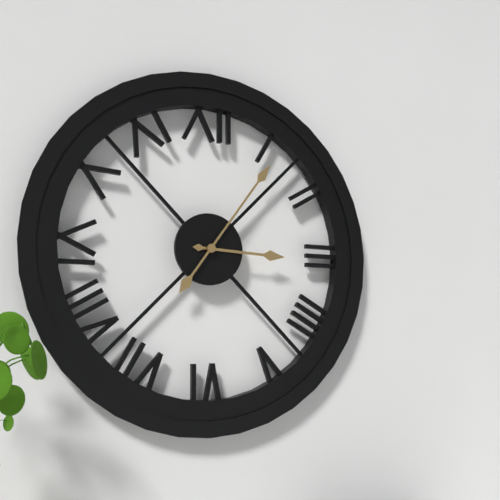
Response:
{"hour": 3, "minute": 6}
